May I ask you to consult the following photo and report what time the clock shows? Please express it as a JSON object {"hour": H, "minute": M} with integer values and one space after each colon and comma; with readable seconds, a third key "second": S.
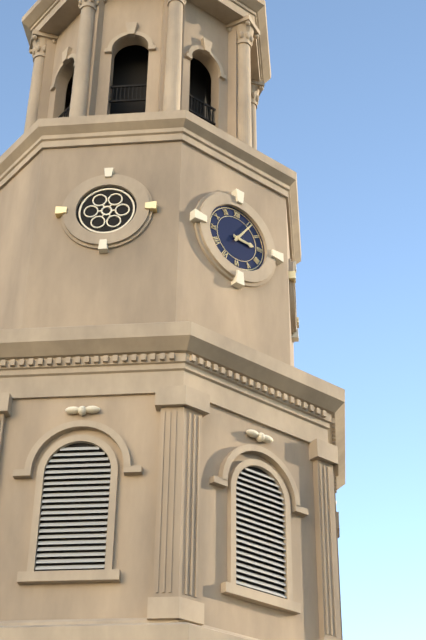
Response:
{"hour": 3, "minute": 6}
